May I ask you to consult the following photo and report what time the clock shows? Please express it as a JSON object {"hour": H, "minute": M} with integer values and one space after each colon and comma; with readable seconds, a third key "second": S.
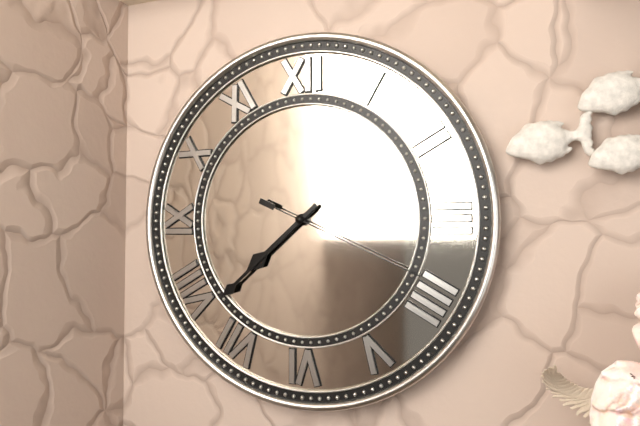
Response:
{"hour": 7, "minute": 38, "second": 19}
